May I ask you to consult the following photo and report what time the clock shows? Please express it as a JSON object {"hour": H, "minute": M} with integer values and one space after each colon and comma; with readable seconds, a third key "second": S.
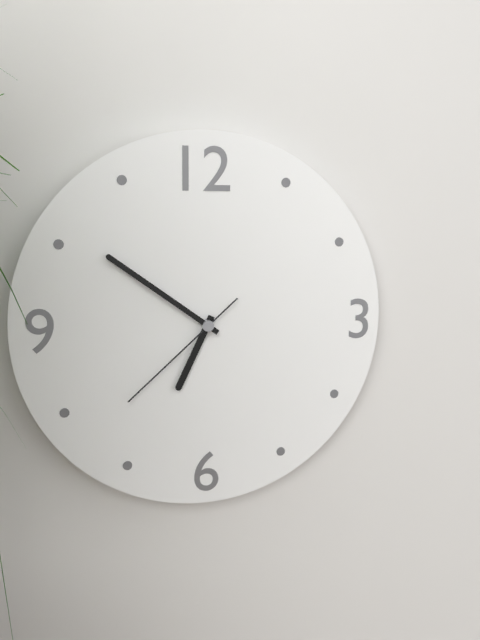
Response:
{"hour": 6, "minute": 51, "second": 38}
